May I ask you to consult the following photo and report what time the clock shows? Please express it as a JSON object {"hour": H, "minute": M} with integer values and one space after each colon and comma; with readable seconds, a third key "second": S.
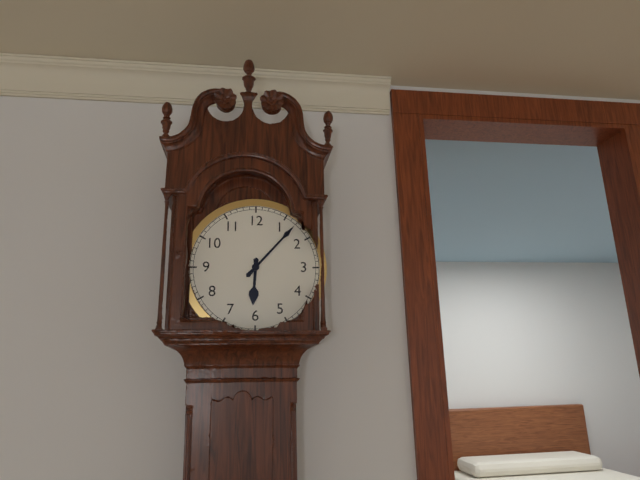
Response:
{"hour": 6, "minute": 7}
